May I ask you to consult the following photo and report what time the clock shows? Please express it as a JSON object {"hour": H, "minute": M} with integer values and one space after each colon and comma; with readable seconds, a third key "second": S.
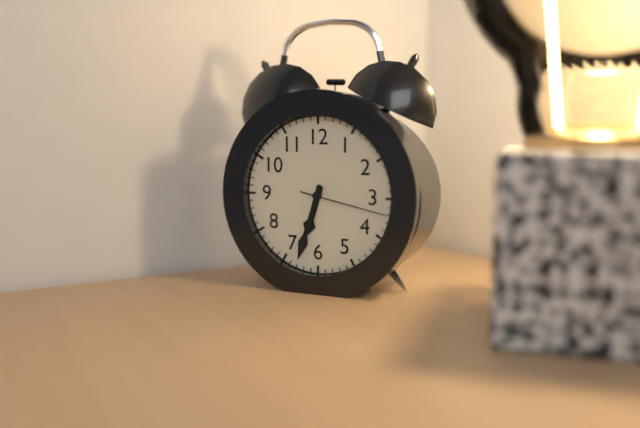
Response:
{"hour": 6, "minute": 33, "second": 17}
